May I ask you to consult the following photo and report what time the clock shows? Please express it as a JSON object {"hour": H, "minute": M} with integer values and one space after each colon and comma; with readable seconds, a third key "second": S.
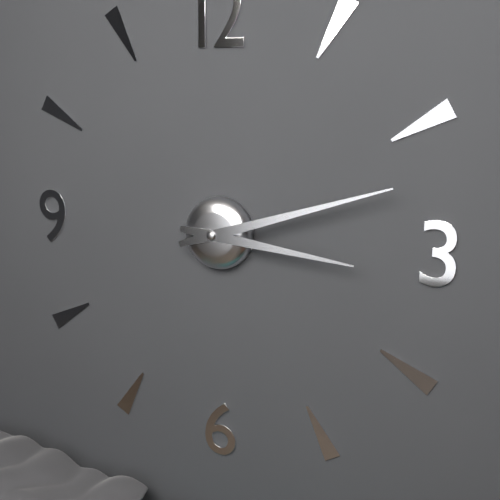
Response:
{"hour": 3, "minute": 12}
